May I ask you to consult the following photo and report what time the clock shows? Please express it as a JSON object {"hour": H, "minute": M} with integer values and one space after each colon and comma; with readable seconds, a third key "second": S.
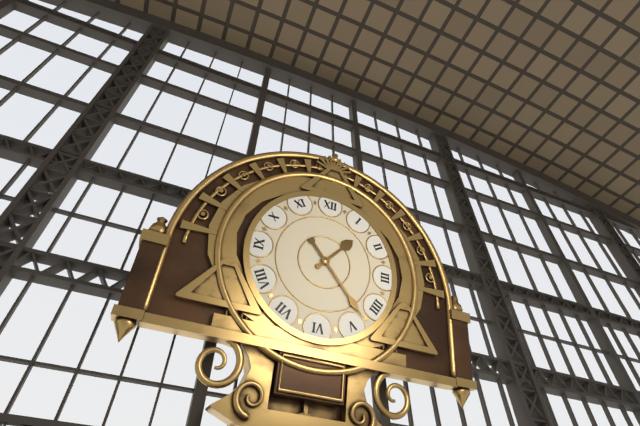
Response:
{"hour": 1, "minute": 23}
